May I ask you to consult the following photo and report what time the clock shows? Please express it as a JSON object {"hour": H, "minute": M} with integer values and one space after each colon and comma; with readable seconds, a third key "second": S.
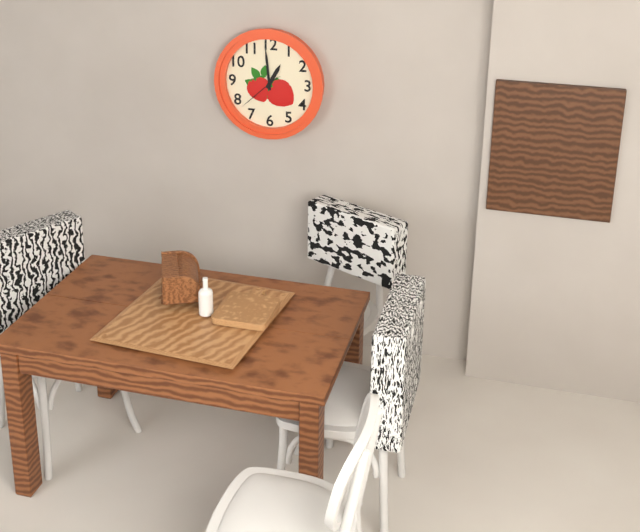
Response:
{"hour": 12, "minute": 59}
